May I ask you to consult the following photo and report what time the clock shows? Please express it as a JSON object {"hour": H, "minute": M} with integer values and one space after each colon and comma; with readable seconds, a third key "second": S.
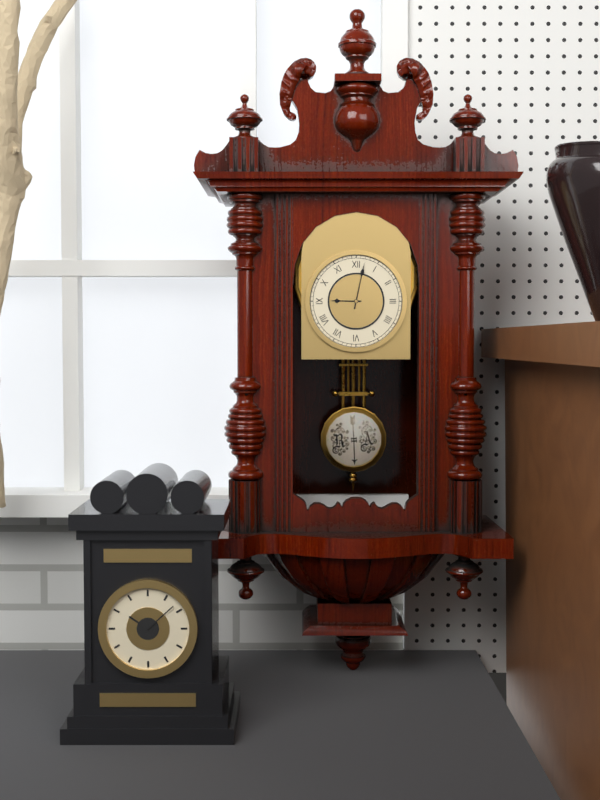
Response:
{"hour": 9, "minute": 2}
